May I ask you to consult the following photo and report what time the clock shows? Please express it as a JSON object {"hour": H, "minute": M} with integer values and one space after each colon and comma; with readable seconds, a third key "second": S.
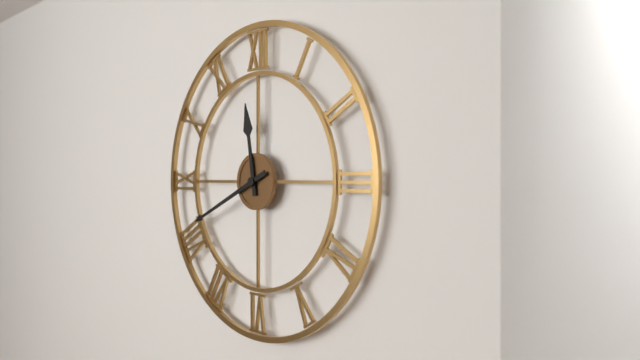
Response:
{"hour": 11, "minute": 41}
